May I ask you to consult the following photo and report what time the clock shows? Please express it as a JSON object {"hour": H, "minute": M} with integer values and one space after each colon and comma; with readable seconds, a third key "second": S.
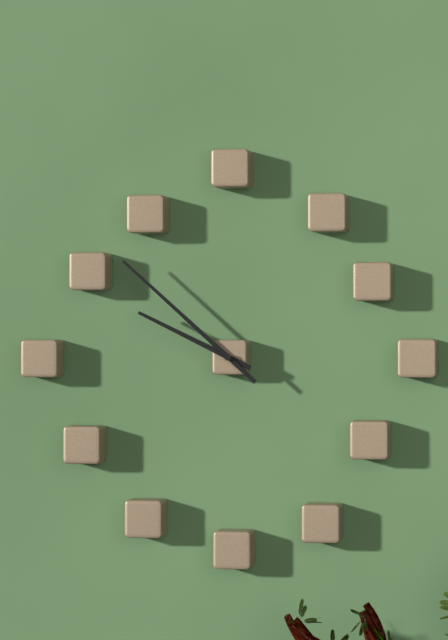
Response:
{"hour": 9, "minute": 52}
